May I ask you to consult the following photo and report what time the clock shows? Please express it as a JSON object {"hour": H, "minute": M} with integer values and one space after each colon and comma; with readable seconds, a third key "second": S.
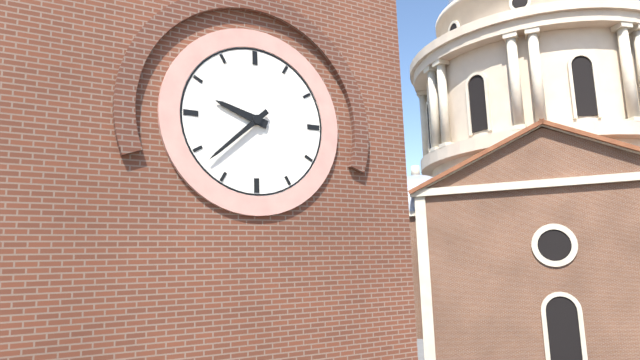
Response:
{"hour": 9, "minute": 38}
